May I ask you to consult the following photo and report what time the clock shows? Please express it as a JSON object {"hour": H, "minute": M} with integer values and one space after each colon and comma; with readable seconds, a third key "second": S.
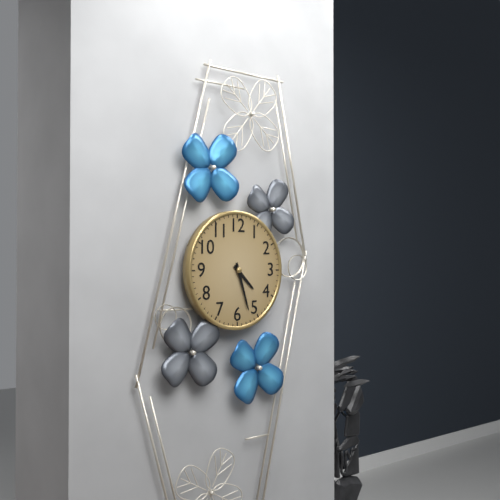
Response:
{"hour": 4, "minute": 27}
